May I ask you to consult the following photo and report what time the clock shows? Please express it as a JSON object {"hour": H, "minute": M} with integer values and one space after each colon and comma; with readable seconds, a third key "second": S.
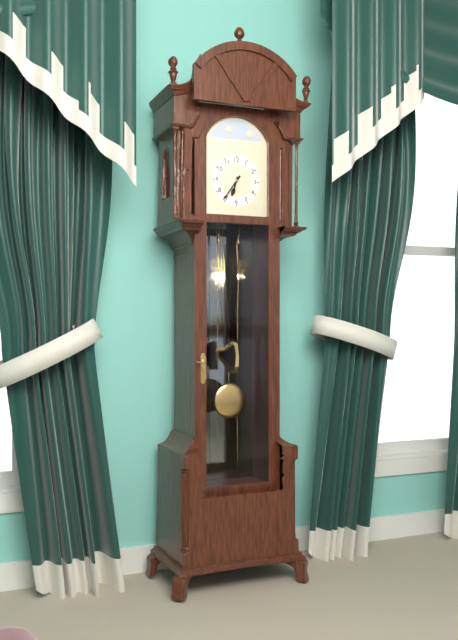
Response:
{"hour": 6, "minute": 36}
